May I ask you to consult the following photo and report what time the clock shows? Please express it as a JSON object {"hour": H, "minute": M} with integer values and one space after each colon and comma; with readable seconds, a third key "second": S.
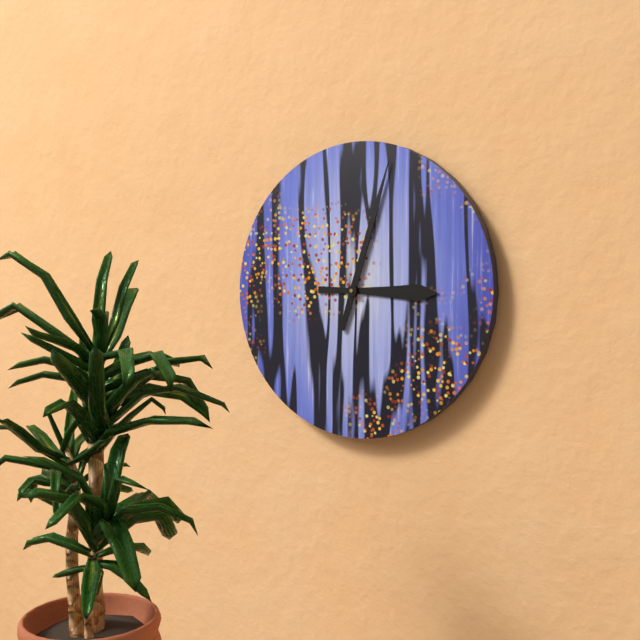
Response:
{"hour": 3, "minute": 3}
